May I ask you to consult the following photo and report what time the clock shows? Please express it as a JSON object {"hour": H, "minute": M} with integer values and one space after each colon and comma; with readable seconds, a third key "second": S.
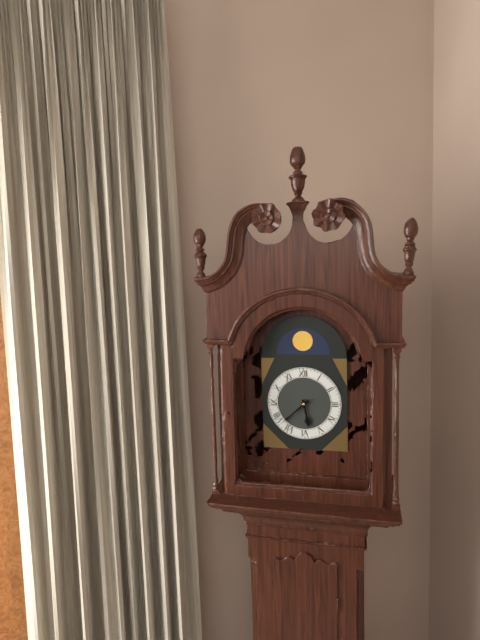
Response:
{"hour": 5, "minute": 38}
